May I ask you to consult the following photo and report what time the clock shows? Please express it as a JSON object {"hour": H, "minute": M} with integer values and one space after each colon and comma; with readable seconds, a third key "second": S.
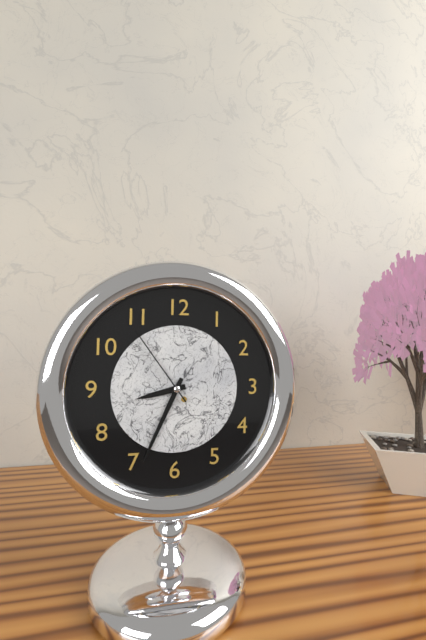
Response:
{"hour": 8, "minute": 34, "second": 54}
